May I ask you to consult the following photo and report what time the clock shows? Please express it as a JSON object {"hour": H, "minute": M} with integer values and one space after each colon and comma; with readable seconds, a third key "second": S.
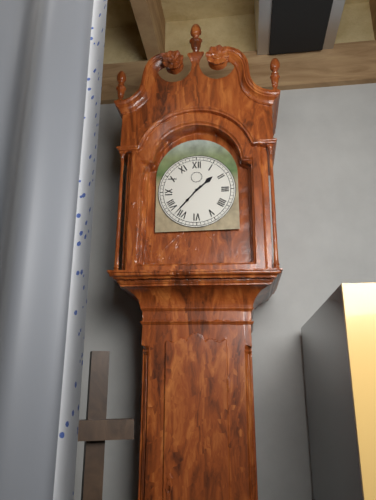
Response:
{"hour": 1, "minute": 37}
